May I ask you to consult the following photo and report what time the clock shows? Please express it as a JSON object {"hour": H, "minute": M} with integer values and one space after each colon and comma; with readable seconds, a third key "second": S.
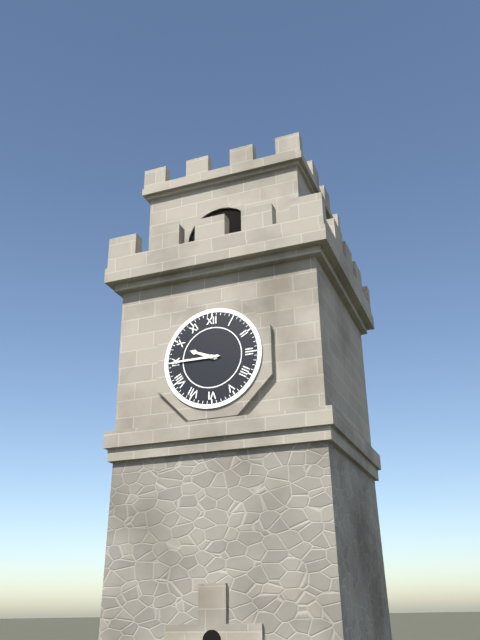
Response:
{"hour": 9, "minute": 45}
